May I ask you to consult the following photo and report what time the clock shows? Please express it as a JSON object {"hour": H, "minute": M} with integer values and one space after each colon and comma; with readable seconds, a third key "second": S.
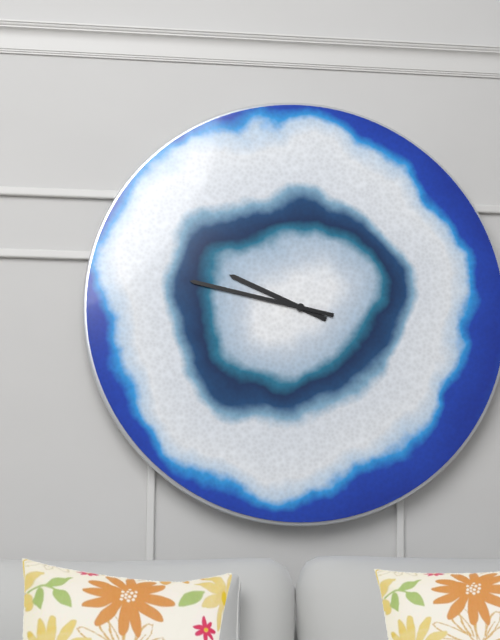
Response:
{"hour": 9, "minute": 47}
